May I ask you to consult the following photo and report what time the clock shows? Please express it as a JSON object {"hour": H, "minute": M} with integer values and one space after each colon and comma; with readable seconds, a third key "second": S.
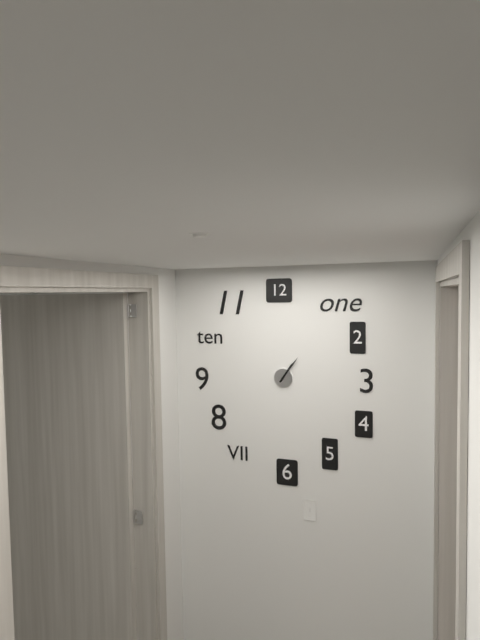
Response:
{"hour": 1, "minute": 6}
